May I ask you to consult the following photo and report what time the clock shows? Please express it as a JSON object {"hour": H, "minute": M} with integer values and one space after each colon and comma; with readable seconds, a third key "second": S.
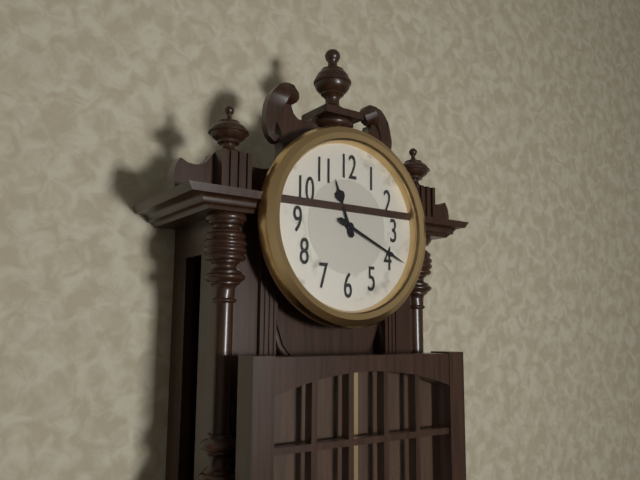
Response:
{"hour": 11, "minute": 19}
